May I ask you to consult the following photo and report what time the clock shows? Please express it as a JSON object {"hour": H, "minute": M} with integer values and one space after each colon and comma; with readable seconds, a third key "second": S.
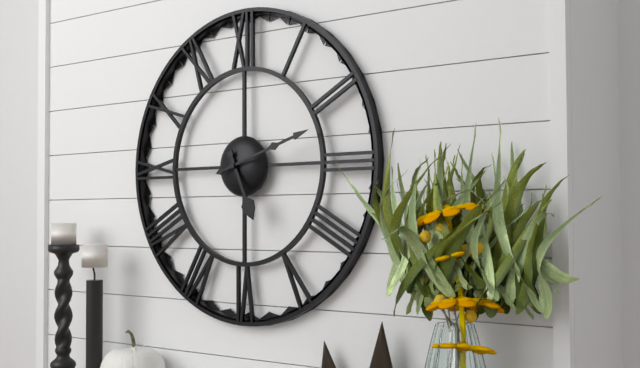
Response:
{"hour": 5, "minute": 12}
